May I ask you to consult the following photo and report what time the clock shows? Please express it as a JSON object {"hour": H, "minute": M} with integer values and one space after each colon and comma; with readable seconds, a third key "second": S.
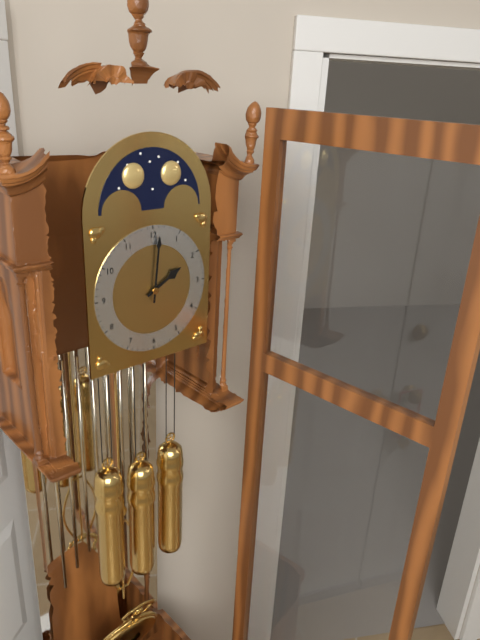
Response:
{"hour": 2, "minute": 1}
